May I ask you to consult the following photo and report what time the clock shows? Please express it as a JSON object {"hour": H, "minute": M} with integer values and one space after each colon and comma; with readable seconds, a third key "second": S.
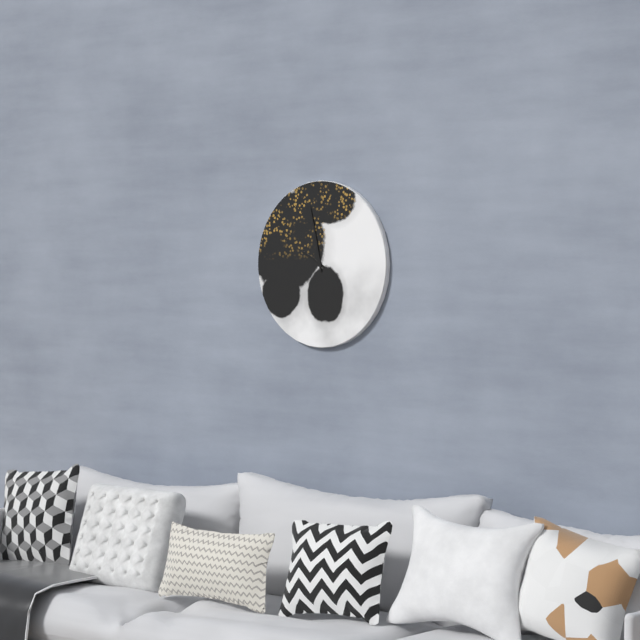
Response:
{"hour": 9, "minute": 58}
